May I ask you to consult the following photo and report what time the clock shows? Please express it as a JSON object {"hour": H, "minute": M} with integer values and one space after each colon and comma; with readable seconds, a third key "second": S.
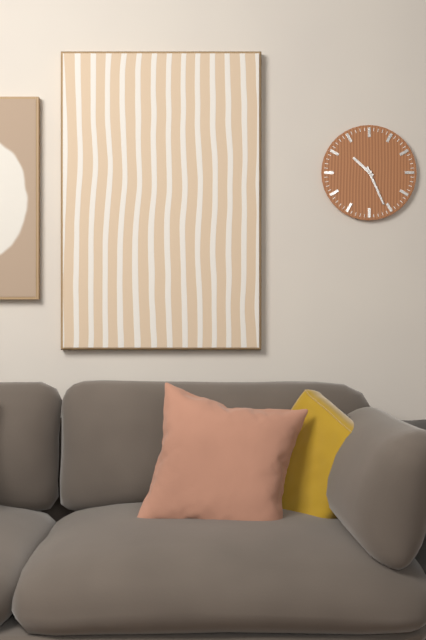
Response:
{"hour": 10, "minute": 26}
